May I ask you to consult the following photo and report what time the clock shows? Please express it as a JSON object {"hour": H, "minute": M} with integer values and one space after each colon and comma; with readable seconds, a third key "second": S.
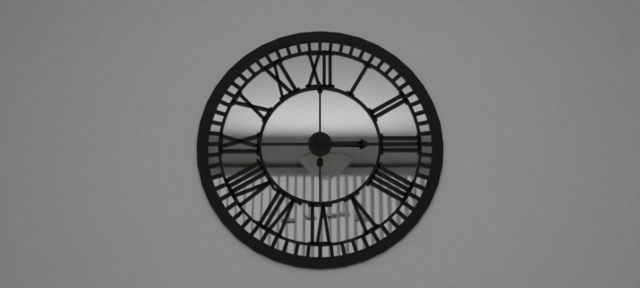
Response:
{"hour": 3, "minute": 0}
